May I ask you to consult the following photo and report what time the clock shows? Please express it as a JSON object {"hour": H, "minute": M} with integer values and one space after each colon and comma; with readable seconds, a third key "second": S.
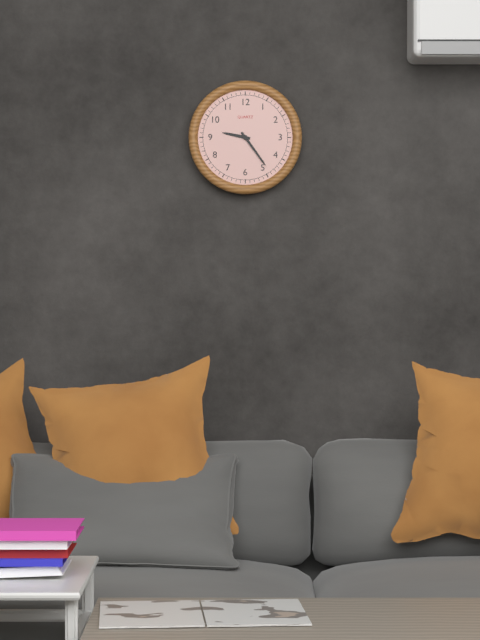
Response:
{"hour": 9, "minute": 24}
